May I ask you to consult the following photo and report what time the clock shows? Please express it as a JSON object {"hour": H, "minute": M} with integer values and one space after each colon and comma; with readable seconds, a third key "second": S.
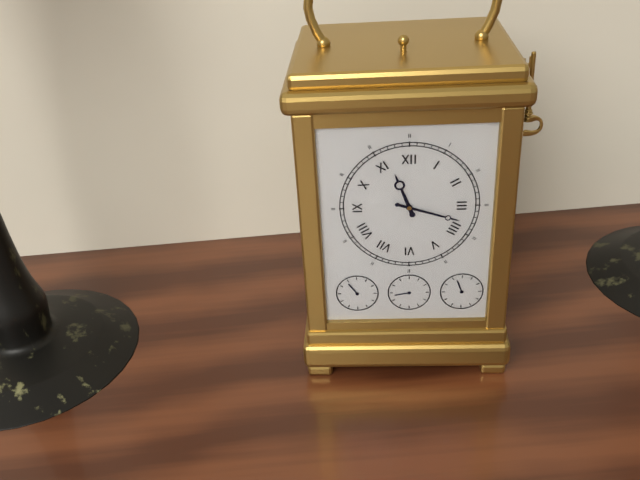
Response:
{"hour": 11, "minute": 18}
